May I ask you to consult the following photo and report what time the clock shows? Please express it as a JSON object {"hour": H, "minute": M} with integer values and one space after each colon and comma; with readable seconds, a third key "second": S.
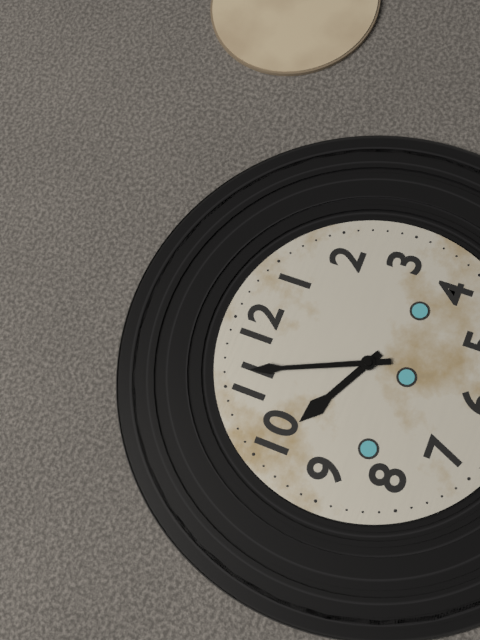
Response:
{"hour": 9, "minute": 56}
